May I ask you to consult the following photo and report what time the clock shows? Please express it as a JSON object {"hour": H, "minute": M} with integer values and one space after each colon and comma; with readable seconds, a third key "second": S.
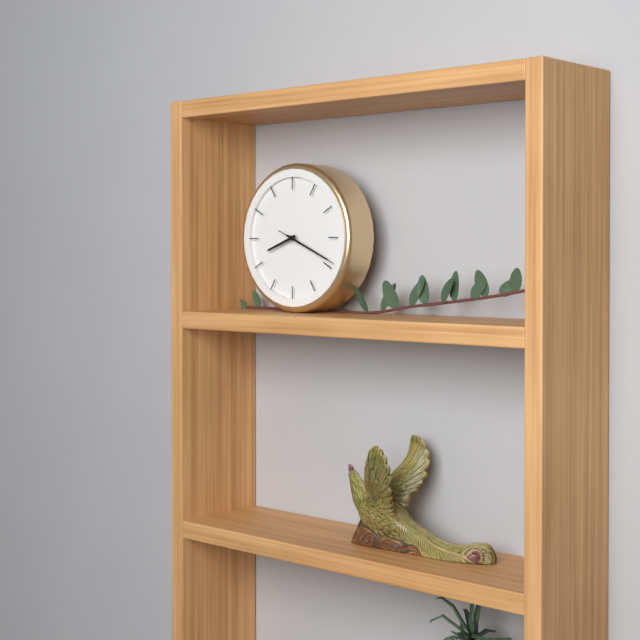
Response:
{"hour": 8, "minute": 19, "second": 19}
